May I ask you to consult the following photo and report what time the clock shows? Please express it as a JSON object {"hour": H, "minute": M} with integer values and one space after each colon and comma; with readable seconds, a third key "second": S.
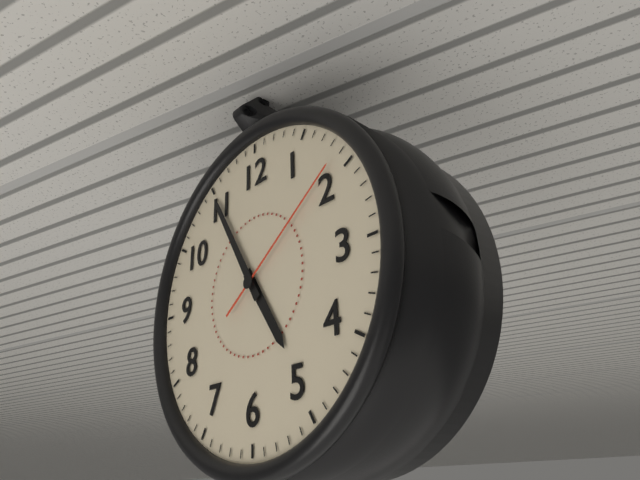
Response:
{"hour": 4, "minute": 55, "second": 9}
